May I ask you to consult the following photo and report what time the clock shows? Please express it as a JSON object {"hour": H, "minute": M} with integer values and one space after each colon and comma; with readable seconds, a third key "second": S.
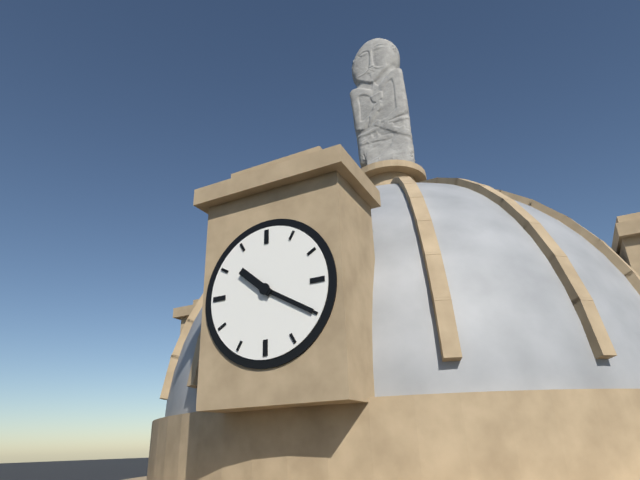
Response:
{"hour": 10, "minute": 20}
